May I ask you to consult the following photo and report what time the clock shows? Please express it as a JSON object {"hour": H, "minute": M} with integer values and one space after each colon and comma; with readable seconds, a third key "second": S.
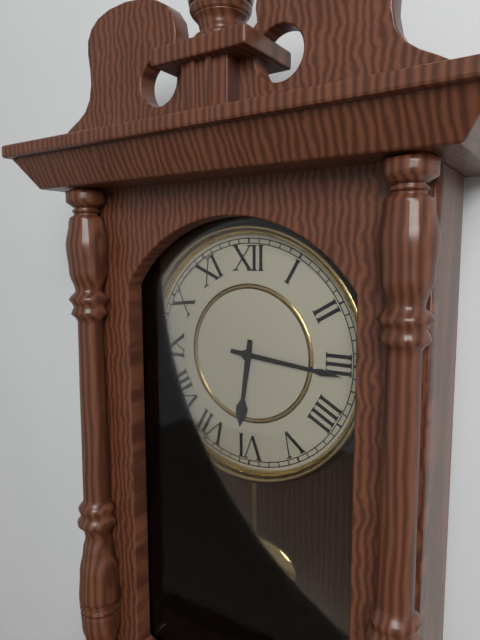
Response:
{"hour": 6, "minute": 16}
